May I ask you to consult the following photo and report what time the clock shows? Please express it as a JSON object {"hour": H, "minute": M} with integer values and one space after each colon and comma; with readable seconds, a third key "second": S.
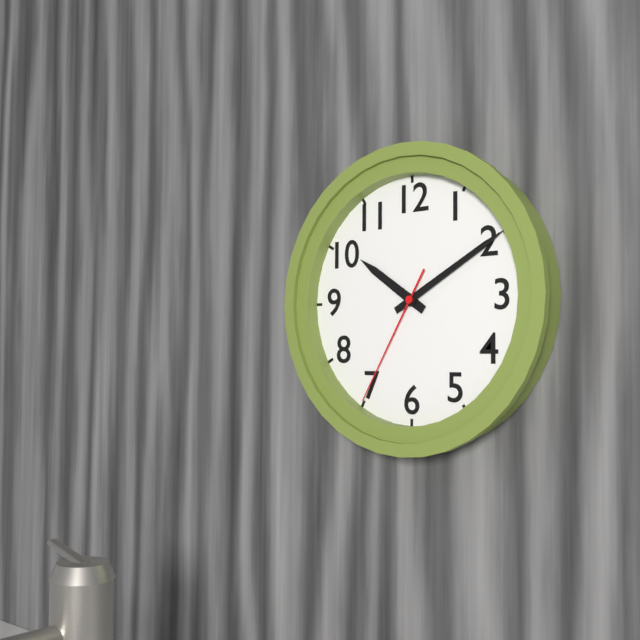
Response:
{"hour": 10, "minute": 10, "second": 35}
